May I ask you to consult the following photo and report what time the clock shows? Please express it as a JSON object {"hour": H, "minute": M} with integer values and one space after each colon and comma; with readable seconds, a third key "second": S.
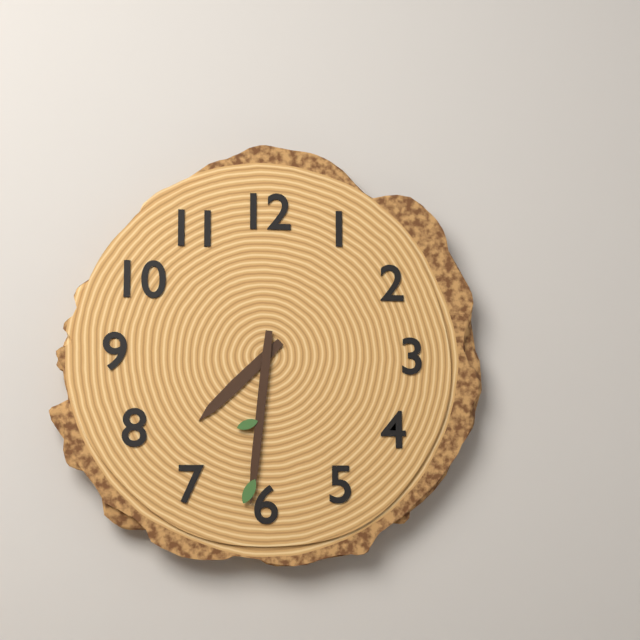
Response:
{"hour": 7, "minute": 31}
